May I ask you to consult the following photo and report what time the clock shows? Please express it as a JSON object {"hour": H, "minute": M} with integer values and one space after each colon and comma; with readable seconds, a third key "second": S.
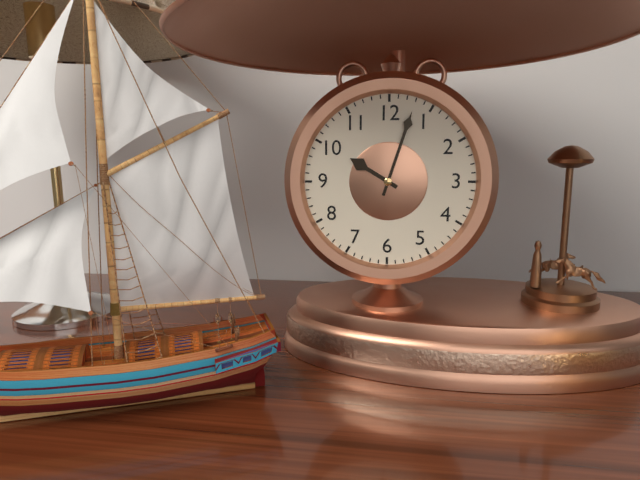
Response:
{"hour": 10, "minute": 3}
